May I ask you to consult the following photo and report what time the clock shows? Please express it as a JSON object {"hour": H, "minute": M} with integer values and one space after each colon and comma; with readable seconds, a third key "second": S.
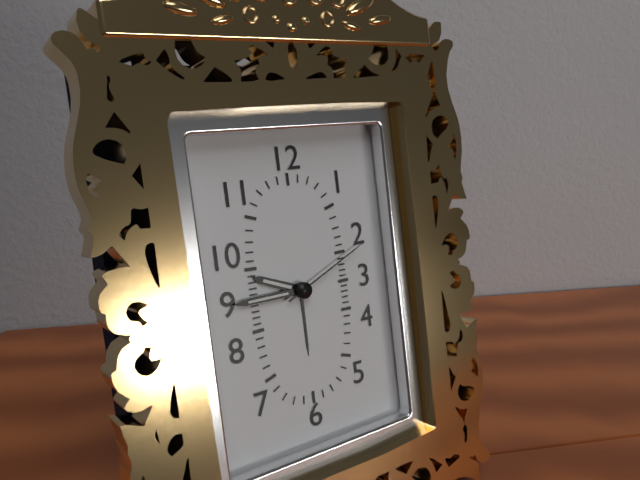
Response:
{"hour": 9, "minute": 45, "second": 11}
